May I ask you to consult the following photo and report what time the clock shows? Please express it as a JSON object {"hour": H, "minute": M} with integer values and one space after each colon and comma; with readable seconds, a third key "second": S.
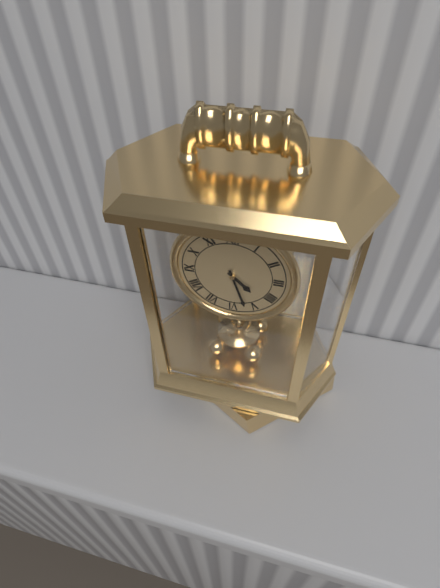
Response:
{"hour": 4, "minute": 27}
